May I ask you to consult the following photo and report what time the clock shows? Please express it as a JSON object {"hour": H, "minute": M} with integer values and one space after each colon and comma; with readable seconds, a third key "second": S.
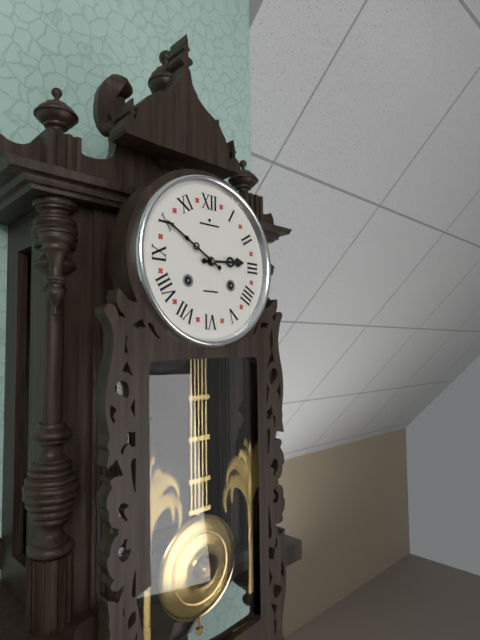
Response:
{"hour": 2, "minute": 50}
